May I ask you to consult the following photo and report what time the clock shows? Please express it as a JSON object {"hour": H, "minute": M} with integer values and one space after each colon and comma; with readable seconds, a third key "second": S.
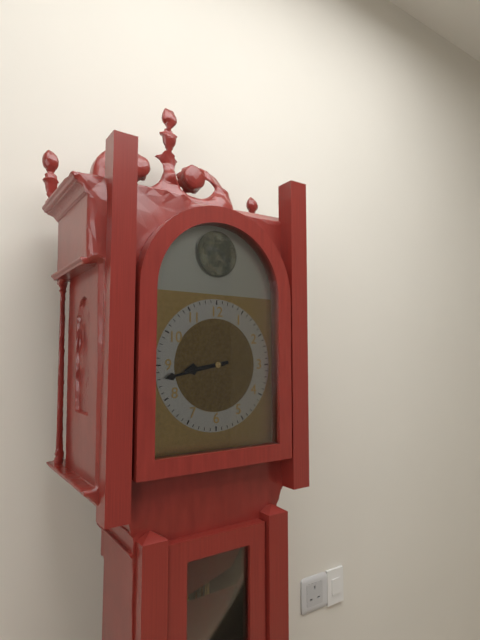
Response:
{"hour": 8, "minute": 43}
